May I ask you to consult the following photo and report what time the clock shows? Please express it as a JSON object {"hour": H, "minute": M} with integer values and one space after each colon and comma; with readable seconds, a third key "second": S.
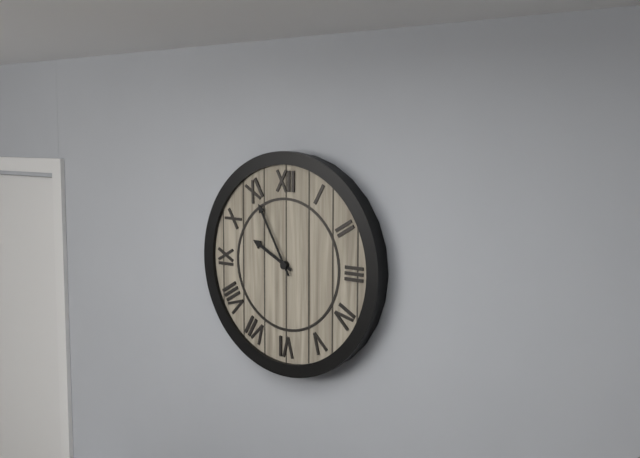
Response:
{"hour": 9, "minute": 55}
